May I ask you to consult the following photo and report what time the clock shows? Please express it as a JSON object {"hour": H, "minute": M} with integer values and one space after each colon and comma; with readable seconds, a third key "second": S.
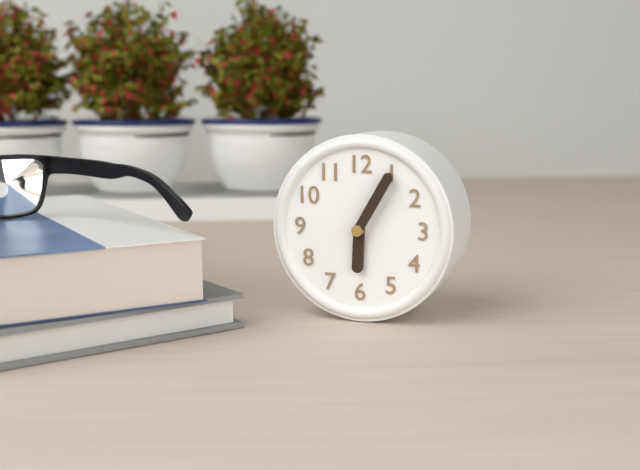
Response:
{"hour": 6, "minute": 5}
